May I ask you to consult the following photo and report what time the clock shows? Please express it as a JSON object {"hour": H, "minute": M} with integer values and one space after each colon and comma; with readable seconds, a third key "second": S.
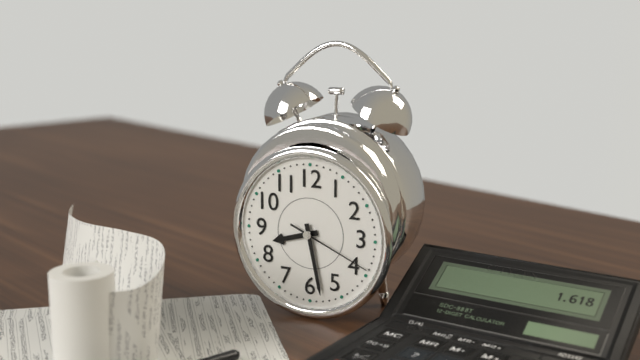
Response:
{"hour": 8, "minute": 28, "second": 19}
